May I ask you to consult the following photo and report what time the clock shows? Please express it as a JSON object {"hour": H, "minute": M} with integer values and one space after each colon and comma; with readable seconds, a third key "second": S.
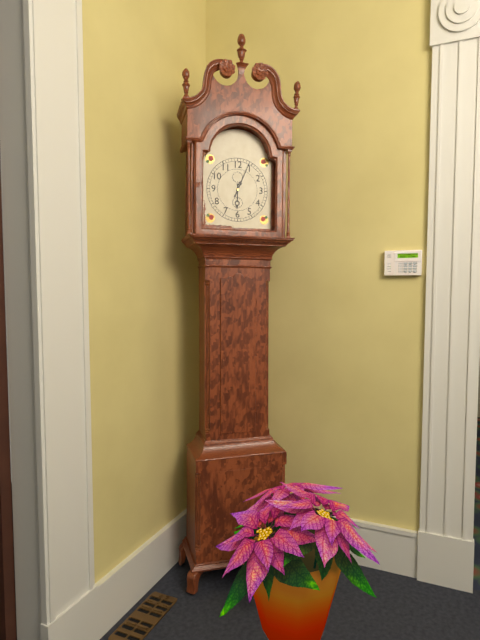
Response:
{"hour": 6, "minute": 4}
